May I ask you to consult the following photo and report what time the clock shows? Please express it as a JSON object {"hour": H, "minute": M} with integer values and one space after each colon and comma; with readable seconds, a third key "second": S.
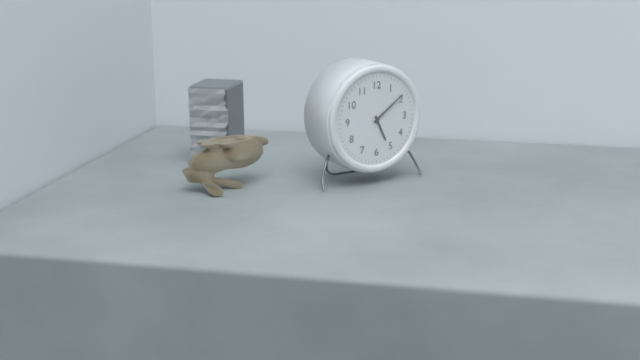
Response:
{"hour": 5, "minute": 9}
